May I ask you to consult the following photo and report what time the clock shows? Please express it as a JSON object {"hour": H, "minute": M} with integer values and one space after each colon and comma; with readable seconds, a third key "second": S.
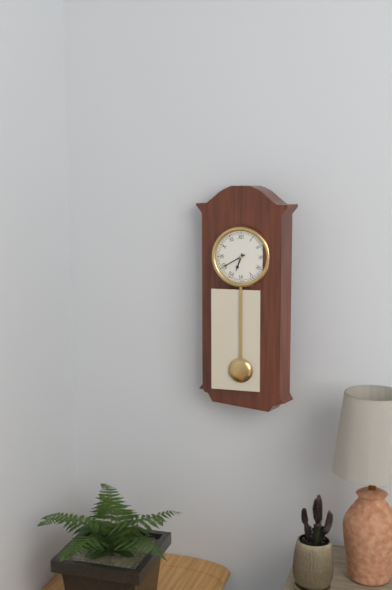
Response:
{"hour": 6, "minute": 40}
